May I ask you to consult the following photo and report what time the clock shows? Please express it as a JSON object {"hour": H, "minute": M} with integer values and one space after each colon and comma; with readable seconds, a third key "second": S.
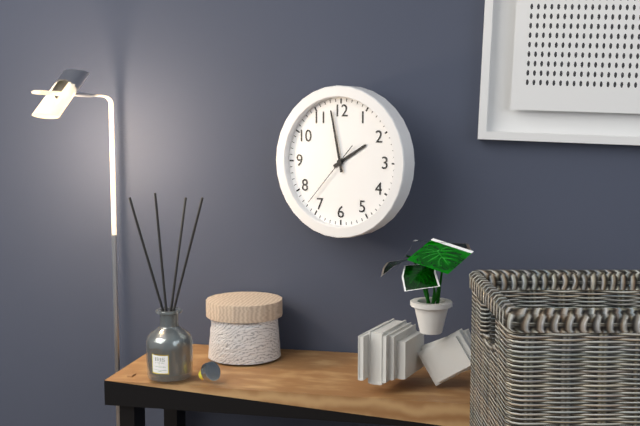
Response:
{"hour": 1, "minute": 58, "second": 37}
